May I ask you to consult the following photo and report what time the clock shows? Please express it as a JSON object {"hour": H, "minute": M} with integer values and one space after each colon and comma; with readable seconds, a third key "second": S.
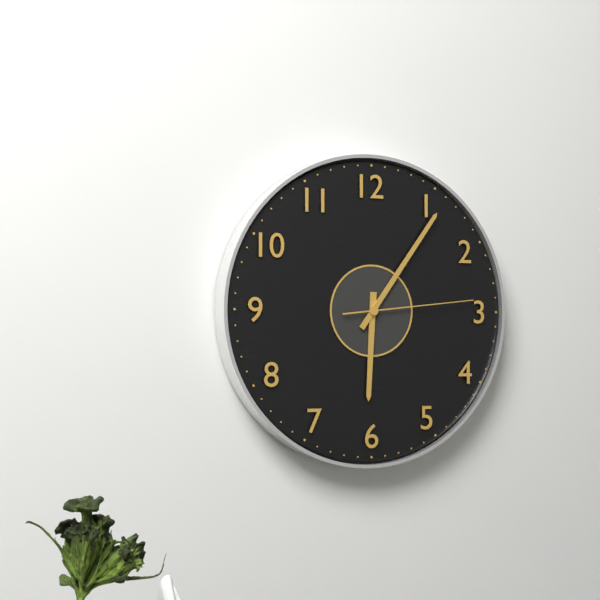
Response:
{"hour": 6, "minute": 6, "second": 14}
